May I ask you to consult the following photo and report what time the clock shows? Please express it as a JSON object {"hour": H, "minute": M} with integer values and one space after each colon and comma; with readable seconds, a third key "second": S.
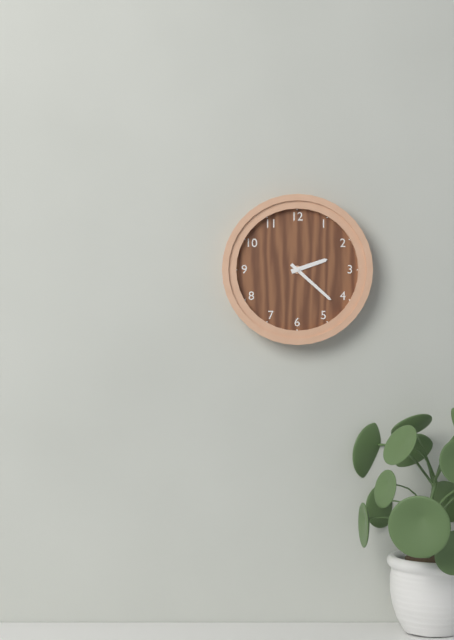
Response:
{"hour": 2, "minute": 22}
